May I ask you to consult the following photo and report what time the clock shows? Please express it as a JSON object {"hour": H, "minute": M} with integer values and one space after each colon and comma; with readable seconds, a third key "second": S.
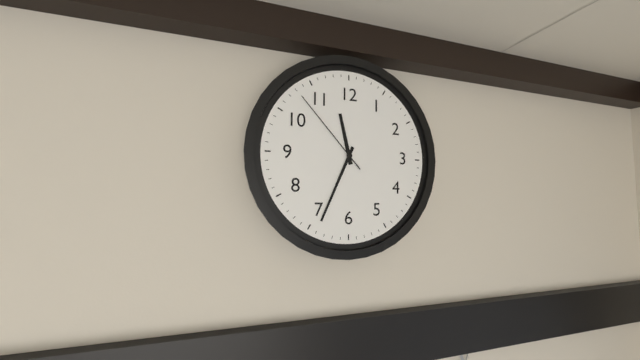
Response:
{"hour": 11, "minute": 34, "second": 53}
